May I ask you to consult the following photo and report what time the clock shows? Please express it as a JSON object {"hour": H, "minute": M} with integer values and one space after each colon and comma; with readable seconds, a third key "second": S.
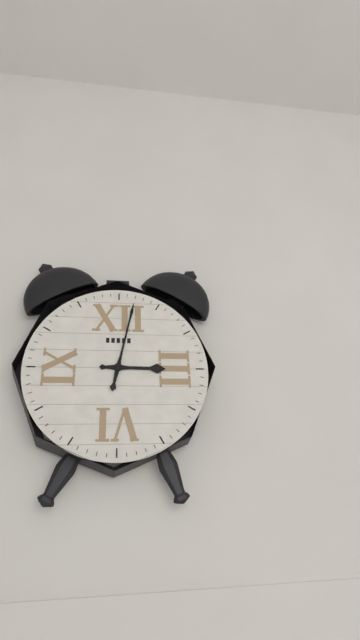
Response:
{"hour": 3, "minute": 2}
